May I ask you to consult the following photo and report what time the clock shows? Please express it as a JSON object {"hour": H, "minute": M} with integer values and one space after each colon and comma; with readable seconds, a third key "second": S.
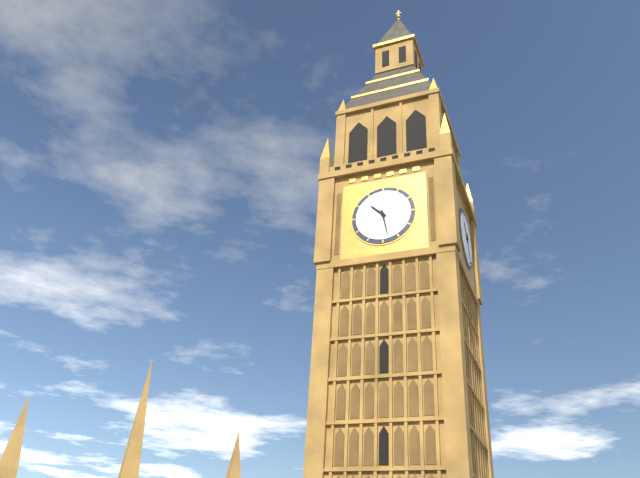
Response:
{"hour": 10, "minute": 28}
